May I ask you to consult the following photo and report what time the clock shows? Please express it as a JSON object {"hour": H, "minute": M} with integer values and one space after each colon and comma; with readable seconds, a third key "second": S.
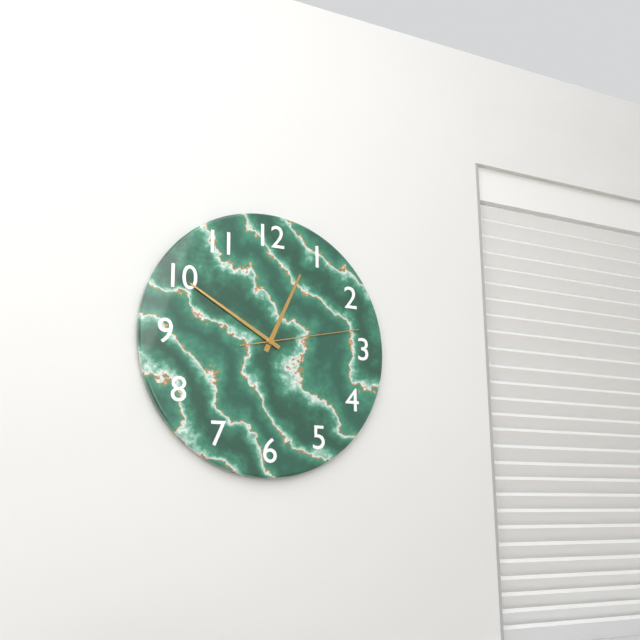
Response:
{"hour": 12, "minute": 50, "second": 13}
